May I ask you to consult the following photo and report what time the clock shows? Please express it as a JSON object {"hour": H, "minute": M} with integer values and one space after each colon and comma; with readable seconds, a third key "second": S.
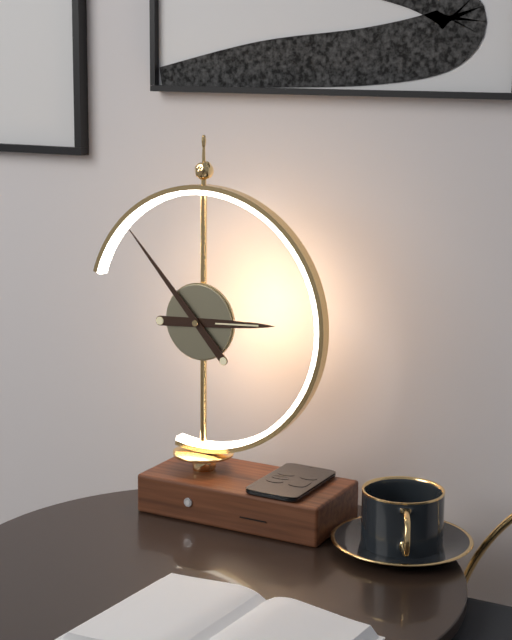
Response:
{"hour": 2, "minute": 53}
